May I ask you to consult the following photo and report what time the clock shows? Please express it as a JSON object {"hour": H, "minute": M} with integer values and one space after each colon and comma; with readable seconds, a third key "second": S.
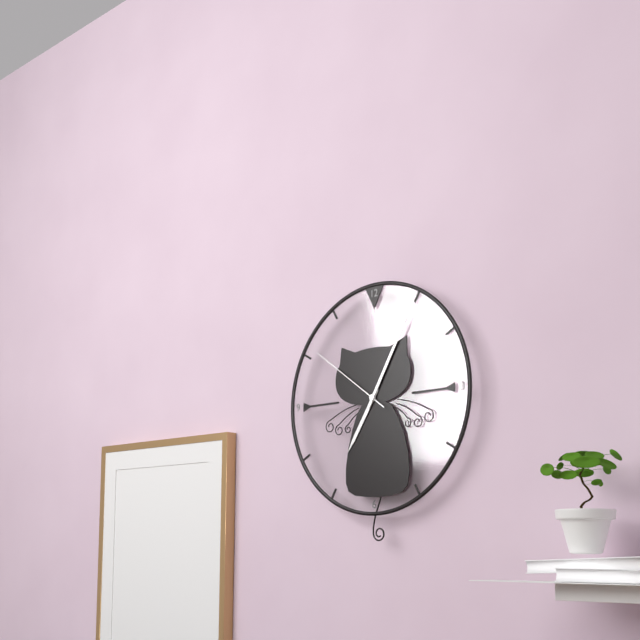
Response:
{"hour": 7, "minute": 5, "second": 51}
